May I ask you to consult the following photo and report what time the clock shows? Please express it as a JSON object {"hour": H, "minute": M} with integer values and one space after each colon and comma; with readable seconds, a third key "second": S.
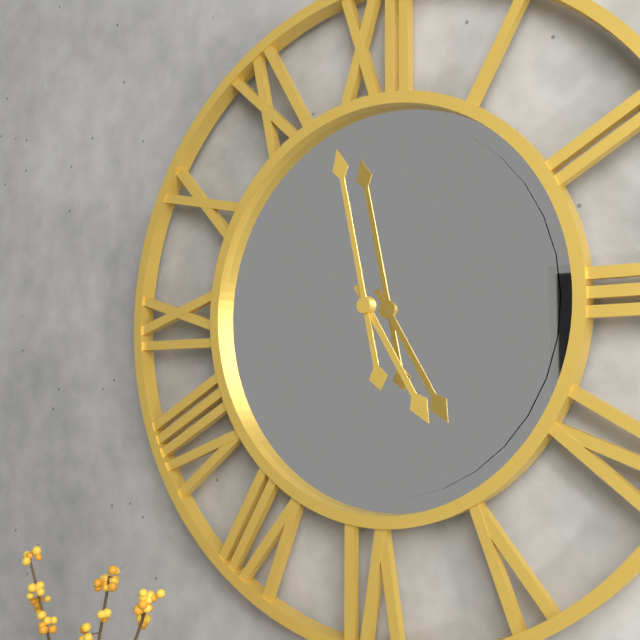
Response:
{"hour": 4, "minute": 58}
